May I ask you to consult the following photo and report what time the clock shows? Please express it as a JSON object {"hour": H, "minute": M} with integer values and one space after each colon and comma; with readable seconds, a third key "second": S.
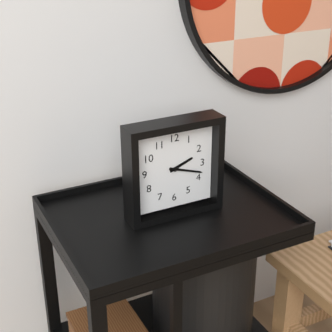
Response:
{"hour": 2, "minute": 18}
